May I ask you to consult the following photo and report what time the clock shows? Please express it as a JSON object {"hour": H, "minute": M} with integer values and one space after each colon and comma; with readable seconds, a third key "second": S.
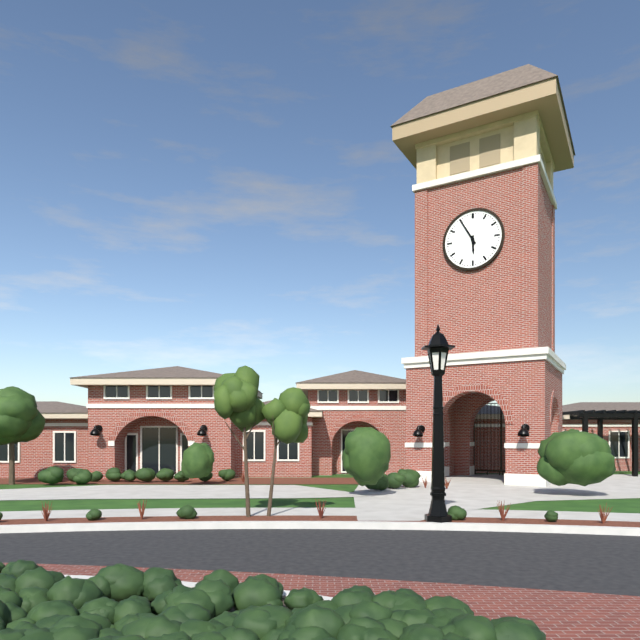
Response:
{"hour": 5, "minute": 55}
